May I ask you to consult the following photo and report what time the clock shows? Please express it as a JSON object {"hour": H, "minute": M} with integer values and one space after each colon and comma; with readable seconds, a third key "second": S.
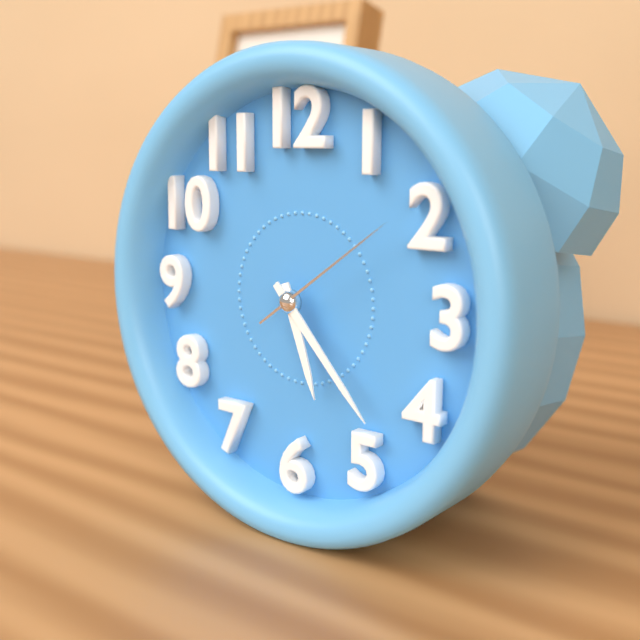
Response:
{"hour": 5, "minute": 23, "second": 9}
